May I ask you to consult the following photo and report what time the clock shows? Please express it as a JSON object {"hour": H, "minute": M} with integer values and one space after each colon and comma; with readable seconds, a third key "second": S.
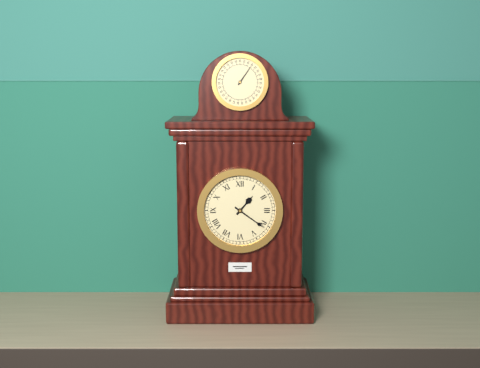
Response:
{"hour": 1, "minute": 21}
